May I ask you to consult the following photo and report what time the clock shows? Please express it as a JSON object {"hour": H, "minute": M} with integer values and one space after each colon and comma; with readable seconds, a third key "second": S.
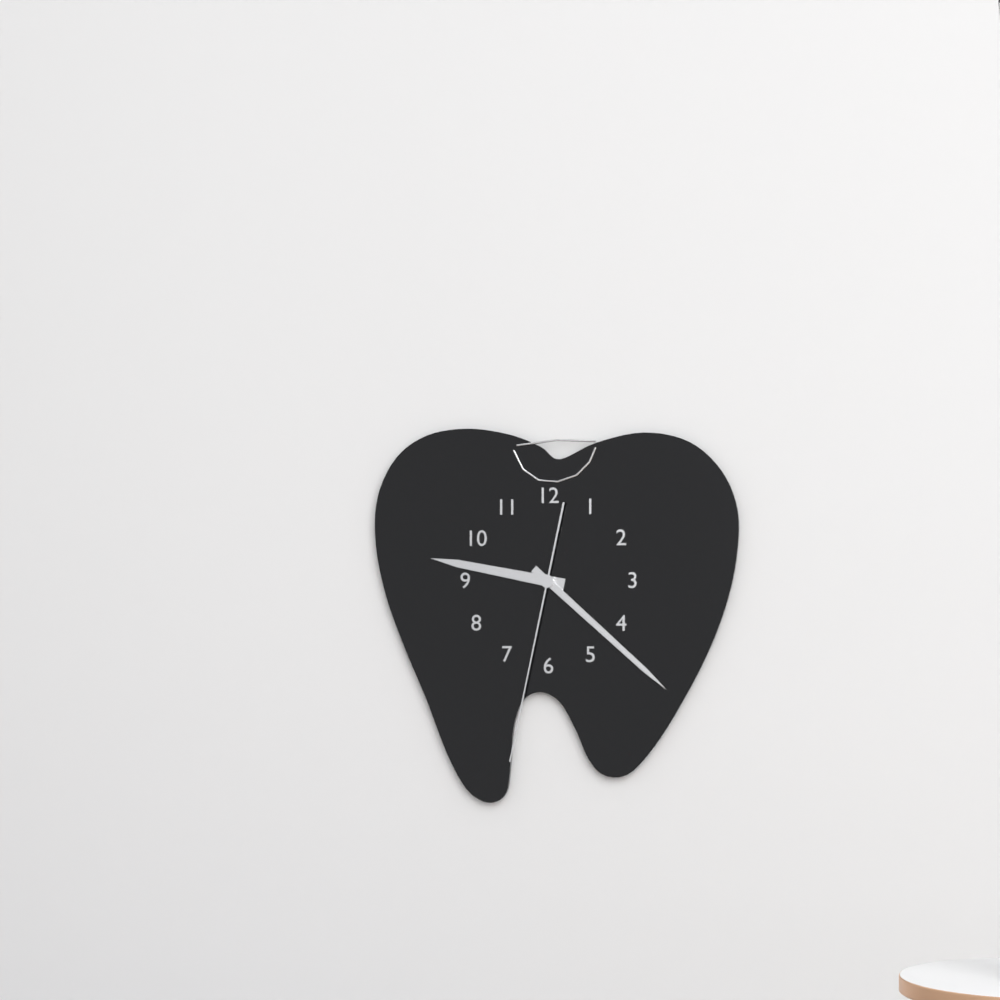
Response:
{"hour": 9, "minute": 22, "second": 32}
